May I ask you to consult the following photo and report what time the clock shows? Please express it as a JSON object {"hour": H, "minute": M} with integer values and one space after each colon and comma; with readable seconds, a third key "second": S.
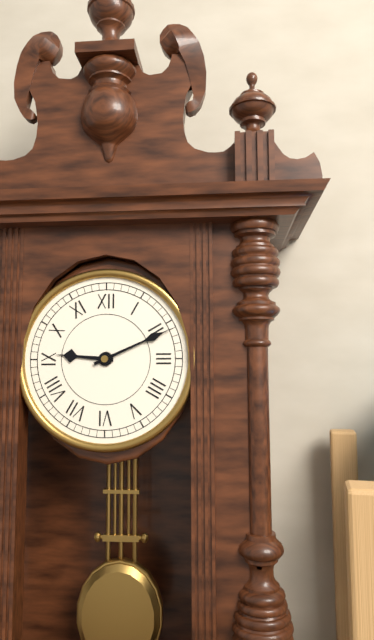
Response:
{"hour": 9, "minute": 11}
